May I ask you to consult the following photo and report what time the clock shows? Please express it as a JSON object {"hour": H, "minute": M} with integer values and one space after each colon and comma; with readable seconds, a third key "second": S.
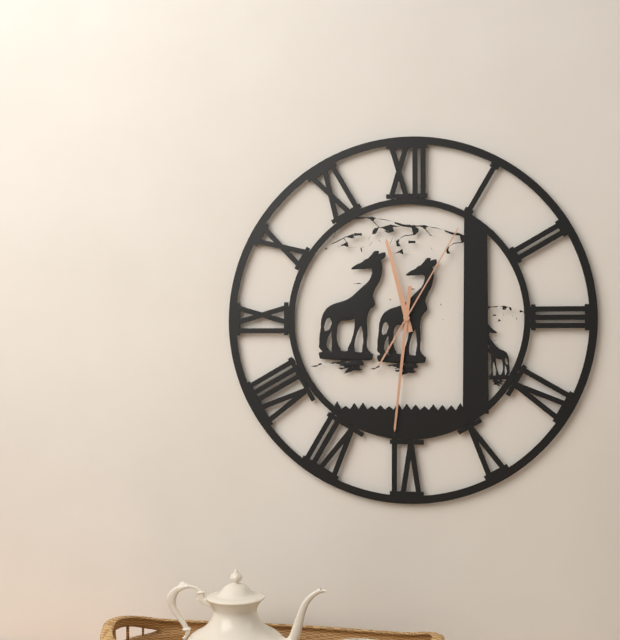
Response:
{"hour": 11, "minute": 31, "second": 5}
